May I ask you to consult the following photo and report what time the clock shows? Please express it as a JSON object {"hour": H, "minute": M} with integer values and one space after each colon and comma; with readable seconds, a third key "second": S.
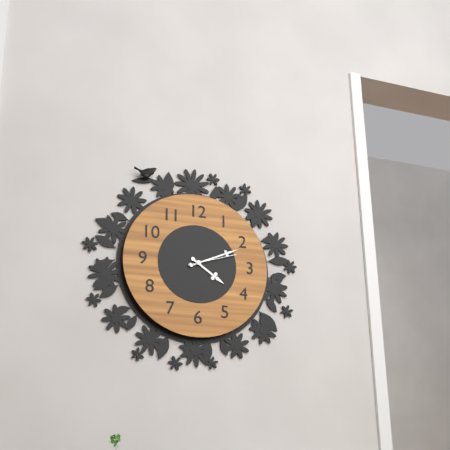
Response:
{"hour": 4, "minute": 11}
